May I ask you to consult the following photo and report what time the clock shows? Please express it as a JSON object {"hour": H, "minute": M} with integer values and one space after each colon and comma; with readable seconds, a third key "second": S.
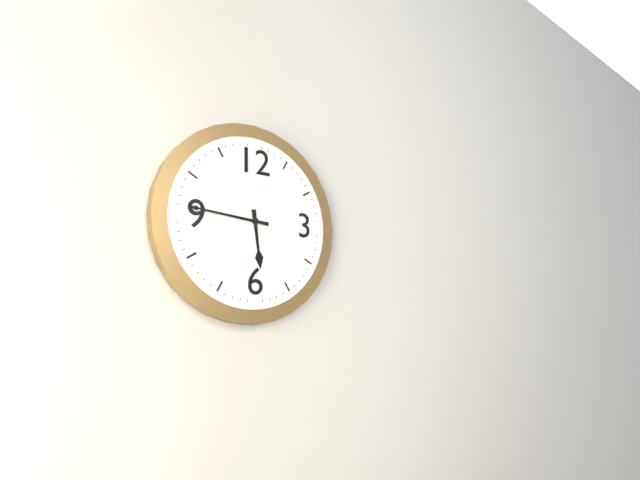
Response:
{"hour": 5, "minute": 46}
